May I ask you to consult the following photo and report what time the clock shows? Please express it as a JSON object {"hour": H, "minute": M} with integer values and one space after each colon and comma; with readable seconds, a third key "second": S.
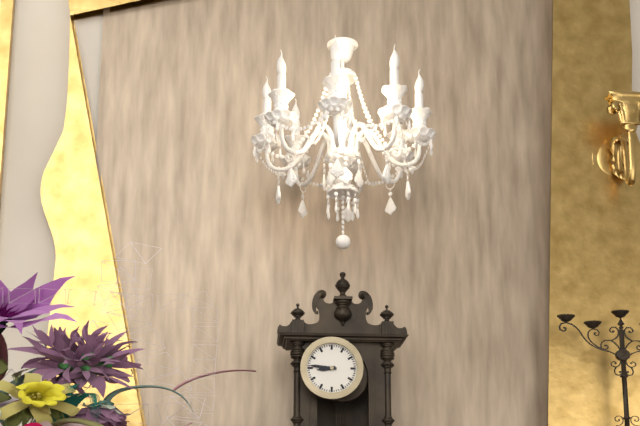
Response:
{"hour": 8, "minute": 46}
